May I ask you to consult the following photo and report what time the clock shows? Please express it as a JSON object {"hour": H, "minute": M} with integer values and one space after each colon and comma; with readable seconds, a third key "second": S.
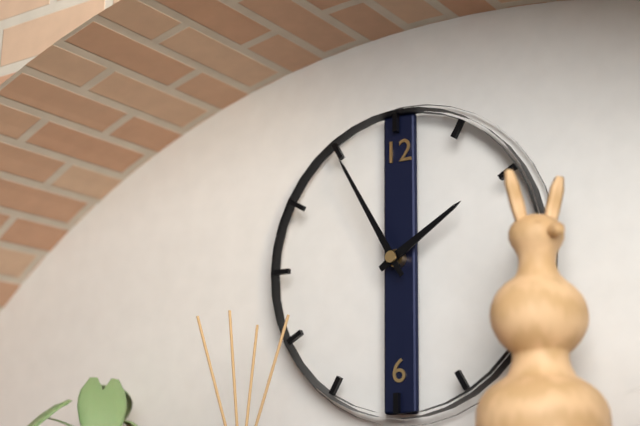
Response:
{"hour": 1, "minute": 55}
